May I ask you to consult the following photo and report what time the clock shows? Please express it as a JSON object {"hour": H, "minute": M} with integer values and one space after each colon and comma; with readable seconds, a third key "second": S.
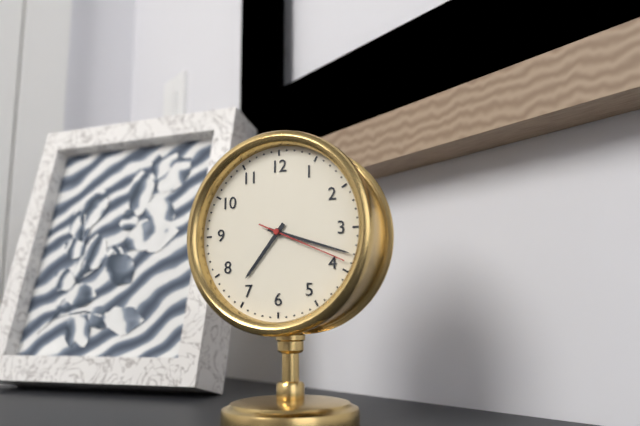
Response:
{"hour": 7, "minute": 18, "second": 19}
